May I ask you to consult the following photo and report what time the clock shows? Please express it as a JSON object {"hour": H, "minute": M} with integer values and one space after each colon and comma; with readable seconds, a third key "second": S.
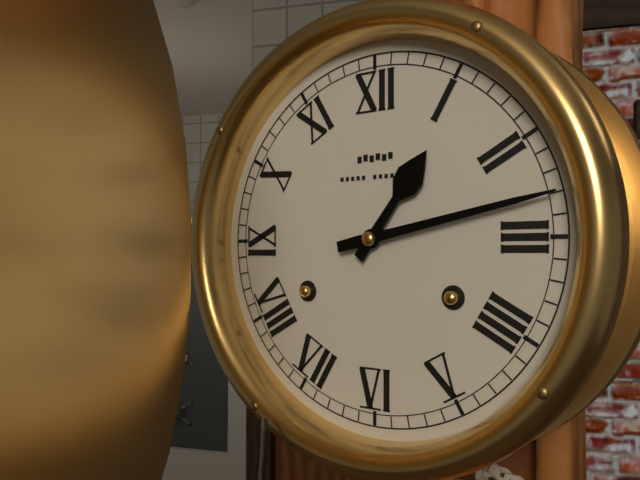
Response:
{"hour": 1, "minute": 13}
